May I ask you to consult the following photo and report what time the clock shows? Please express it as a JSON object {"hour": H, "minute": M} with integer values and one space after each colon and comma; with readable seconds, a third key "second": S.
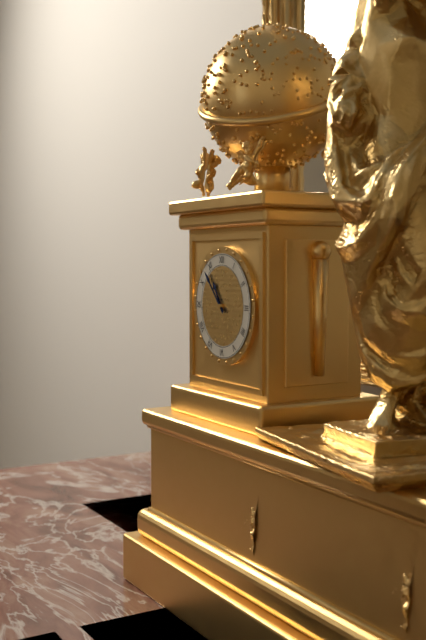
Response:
{"hour": 10, "minute": 53}
